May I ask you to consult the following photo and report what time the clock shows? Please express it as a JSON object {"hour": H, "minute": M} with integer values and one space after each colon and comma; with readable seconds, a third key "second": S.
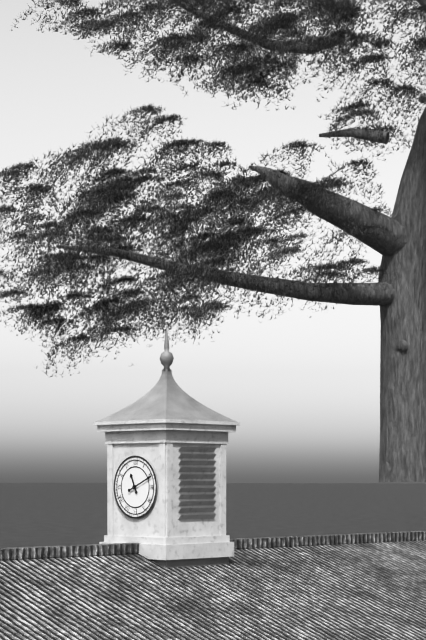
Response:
{"hour": 11, "minute": 11}
